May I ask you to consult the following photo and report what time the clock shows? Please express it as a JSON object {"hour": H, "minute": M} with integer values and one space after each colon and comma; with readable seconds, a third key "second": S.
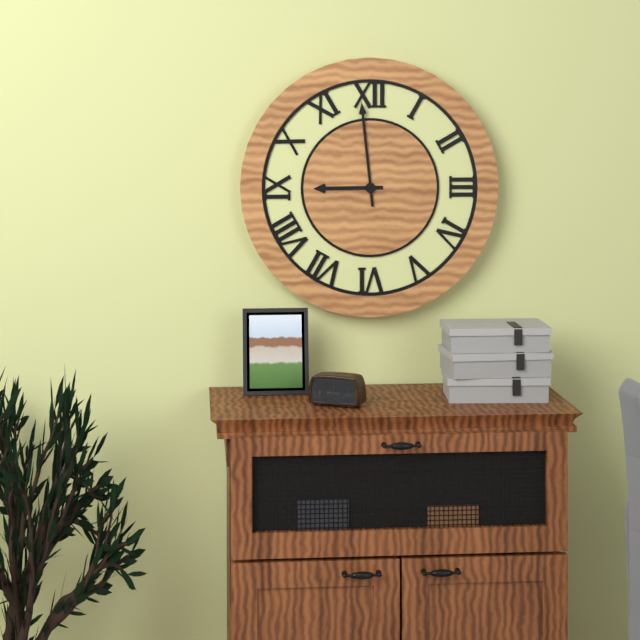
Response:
{"hour": 8, "minute": 59}
